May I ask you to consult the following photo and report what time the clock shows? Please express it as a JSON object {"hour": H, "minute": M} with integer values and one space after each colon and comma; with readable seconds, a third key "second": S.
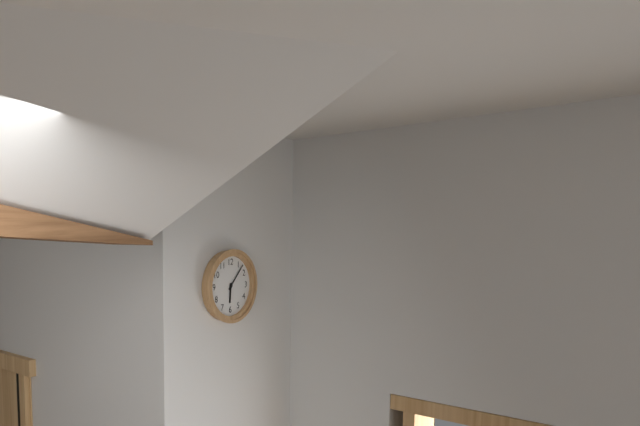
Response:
{"hour": 6, "minute": 7}
